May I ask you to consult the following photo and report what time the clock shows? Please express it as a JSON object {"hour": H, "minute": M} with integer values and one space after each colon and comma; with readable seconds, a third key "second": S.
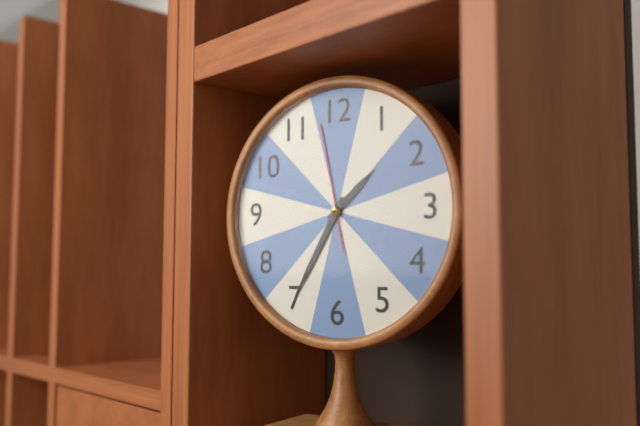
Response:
{"hour": 1, "minute": 35, "second": 58}
